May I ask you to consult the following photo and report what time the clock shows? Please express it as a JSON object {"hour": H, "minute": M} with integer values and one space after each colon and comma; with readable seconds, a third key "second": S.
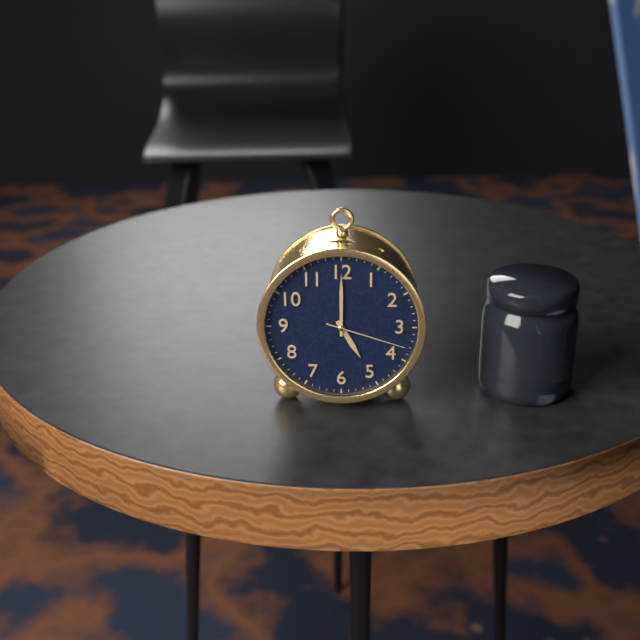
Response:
{"hour": 5, "minute": 0, "second": 18}
